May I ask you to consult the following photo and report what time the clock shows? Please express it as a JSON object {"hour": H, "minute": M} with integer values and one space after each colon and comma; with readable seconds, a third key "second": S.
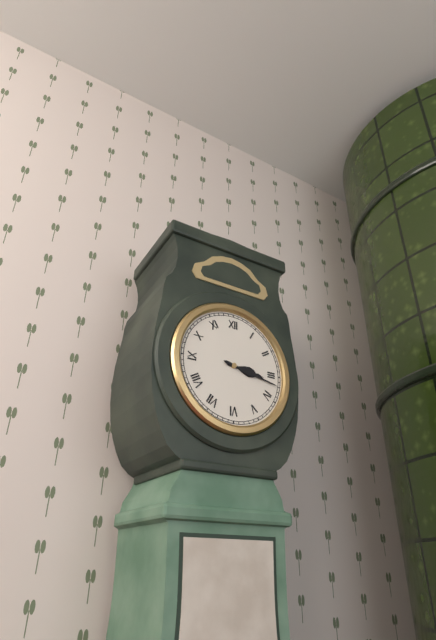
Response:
{"hour": 3, "minute": 17}
